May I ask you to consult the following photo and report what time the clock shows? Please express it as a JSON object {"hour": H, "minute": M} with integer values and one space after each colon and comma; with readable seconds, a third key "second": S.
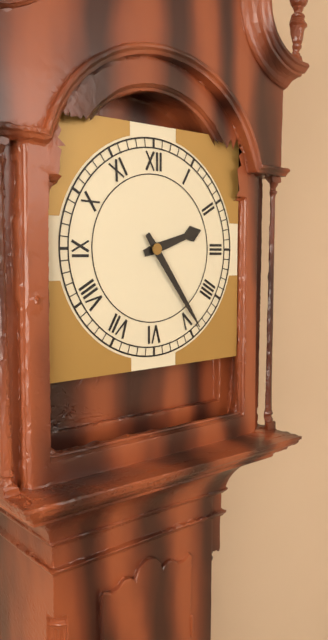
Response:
{"hour": 2, "minute": 24}
